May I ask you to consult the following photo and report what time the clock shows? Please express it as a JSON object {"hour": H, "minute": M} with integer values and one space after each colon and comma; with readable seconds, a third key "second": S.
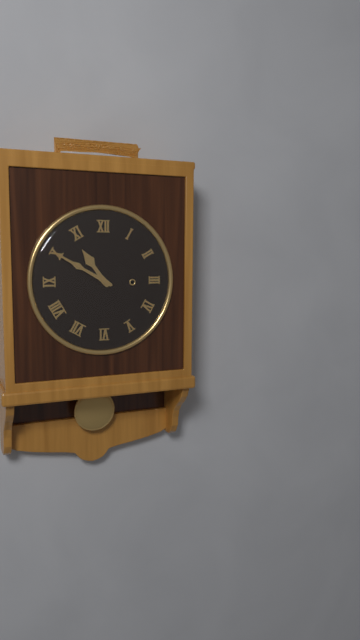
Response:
{"hour": 10, "minute": 50}
